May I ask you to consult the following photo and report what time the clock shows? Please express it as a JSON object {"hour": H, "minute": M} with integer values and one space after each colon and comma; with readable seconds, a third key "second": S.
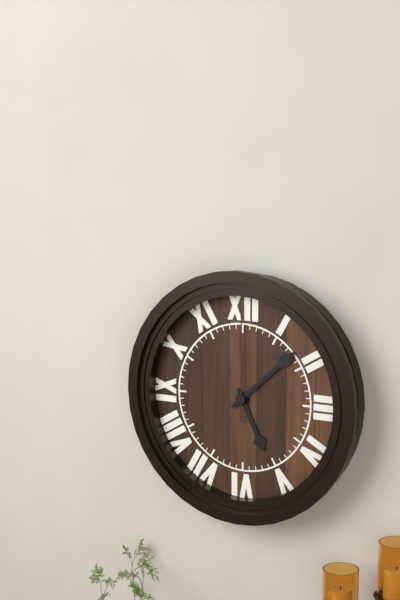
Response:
{"hour": 5, "minute": 8, "second": 0}
